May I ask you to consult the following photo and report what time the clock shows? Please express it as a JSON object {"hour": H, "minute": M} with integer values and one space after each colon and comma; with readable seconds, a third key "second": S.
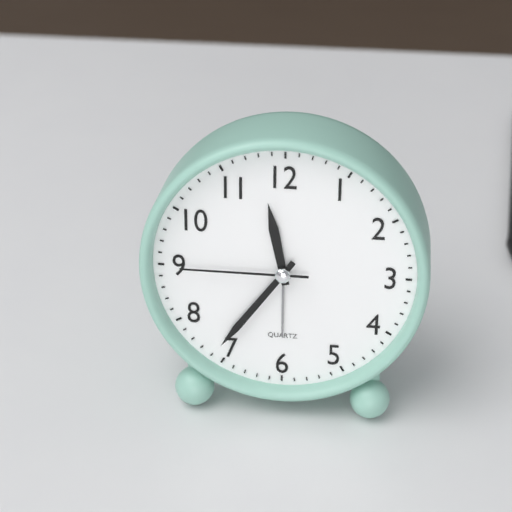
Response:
{"hour": 11, "minute": 36, "second": 45}
